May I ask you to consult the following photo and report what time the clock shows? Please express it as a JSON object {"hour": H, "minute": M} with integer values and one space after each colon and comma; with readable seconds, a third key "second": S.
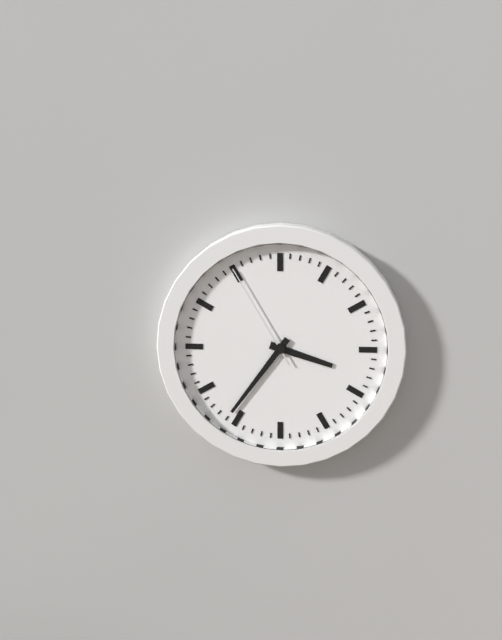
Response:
{"hour": 3, "minute": 36, "second": 55}
